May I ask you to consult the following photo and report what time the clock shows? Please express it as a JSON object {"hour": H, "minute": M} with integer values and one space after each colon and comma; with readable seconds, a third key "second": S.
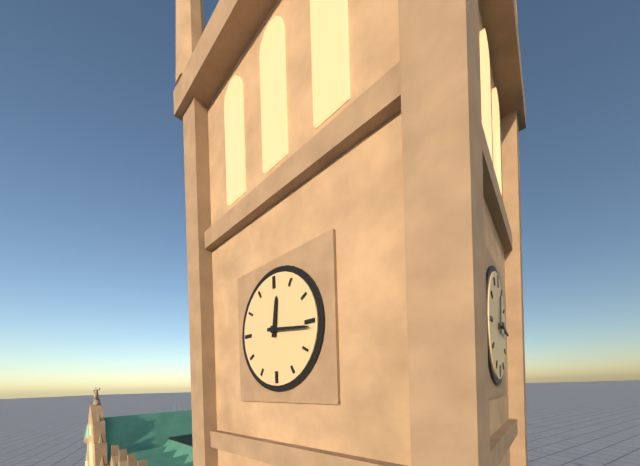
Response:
{"hour": 12, "minute": 16}
